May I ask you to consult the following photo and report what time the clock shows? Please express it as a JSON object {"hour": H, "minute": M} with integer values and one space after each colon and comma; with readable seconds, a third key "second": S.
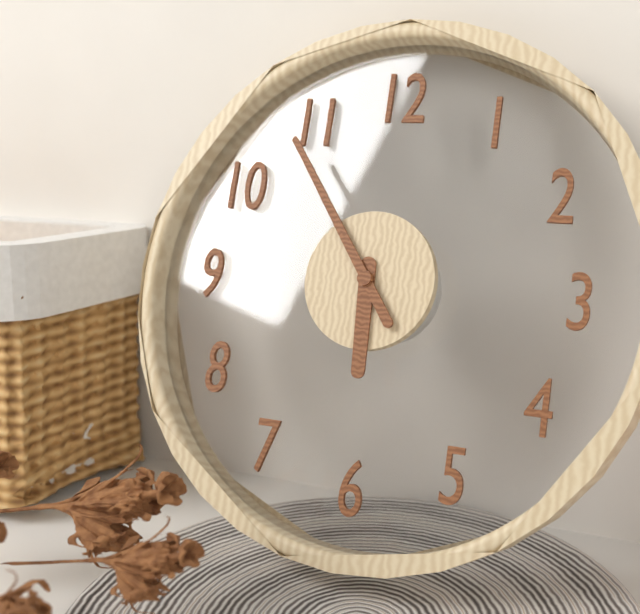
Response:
{"hour": 5, "minute": 54}
